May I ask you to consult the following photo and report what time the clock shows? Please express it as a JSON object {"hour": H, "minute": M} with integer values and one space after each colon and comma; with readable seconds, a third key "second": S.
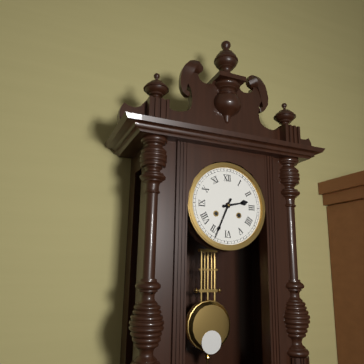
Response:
{"hour": 2, "minute": 34}
